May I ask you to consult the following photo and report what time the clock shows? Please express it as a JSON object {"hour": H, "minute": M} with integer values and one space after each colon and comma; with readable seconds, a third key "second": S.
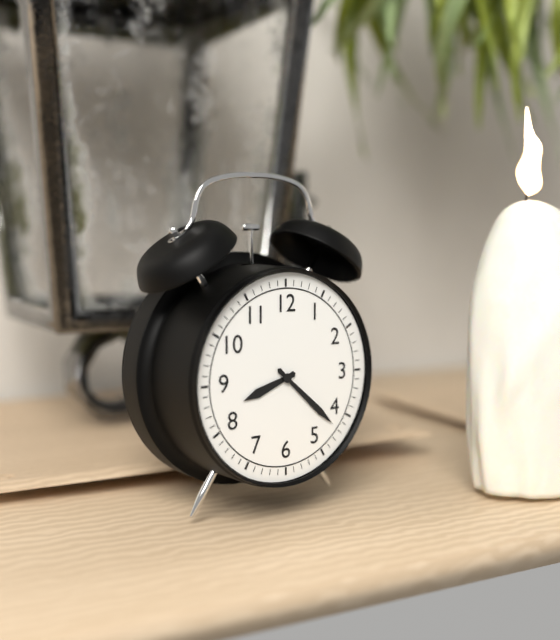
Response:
{"hour": 8, "minute": 22}
